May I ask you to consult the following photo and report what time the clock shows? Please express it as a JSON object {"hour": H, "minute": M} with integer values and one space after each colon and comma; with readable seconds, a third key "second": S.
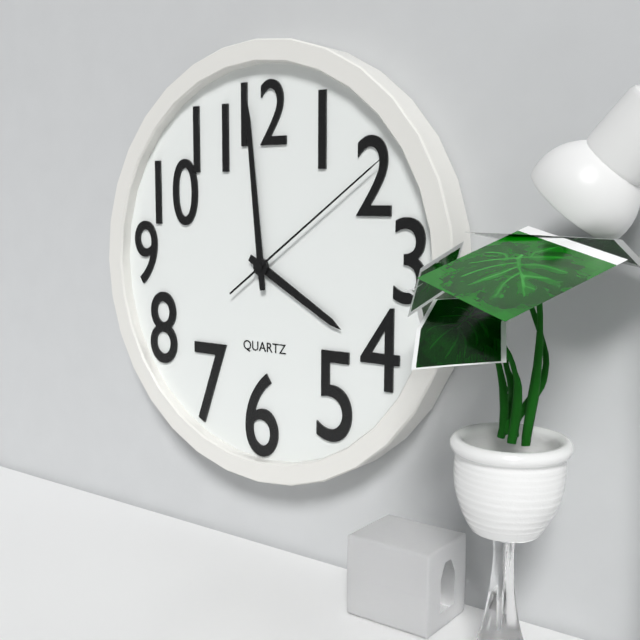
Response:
{"hour": 3, "minute": 59, "second": 9}
